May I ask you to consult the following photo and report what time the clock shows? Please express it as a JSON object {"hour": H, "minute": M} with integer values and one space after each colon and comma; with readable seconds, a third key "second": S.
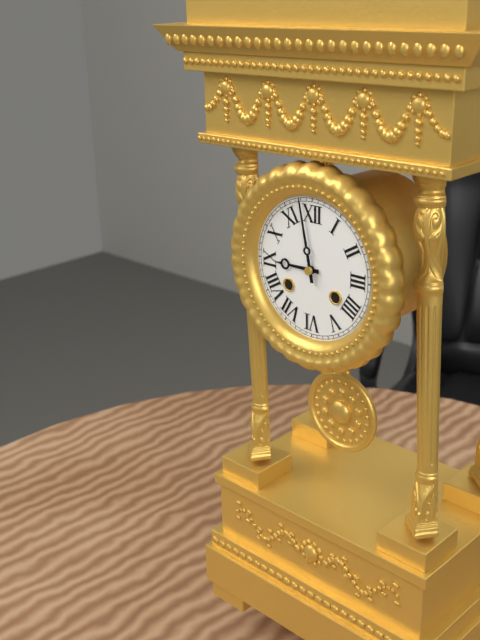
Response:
{"hour": 8, "minute": 58}
